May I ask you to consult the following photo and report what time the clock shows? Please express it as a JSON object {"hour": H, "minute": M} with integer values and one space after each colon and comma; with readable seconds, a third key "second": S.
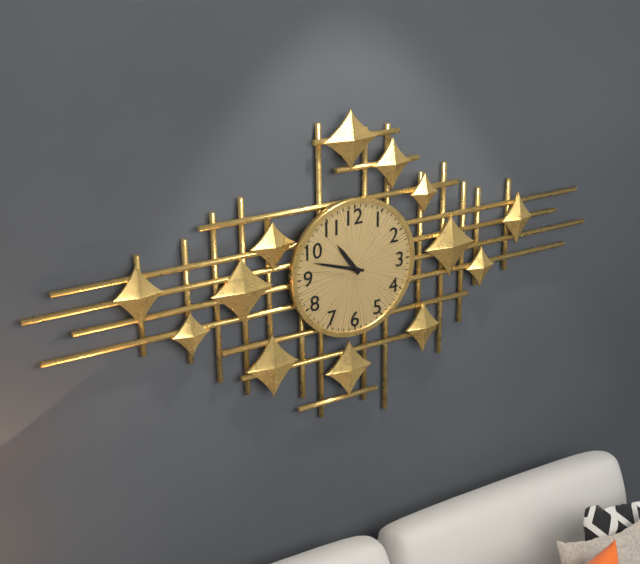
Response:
{"hour": 10, "minute": 48}
